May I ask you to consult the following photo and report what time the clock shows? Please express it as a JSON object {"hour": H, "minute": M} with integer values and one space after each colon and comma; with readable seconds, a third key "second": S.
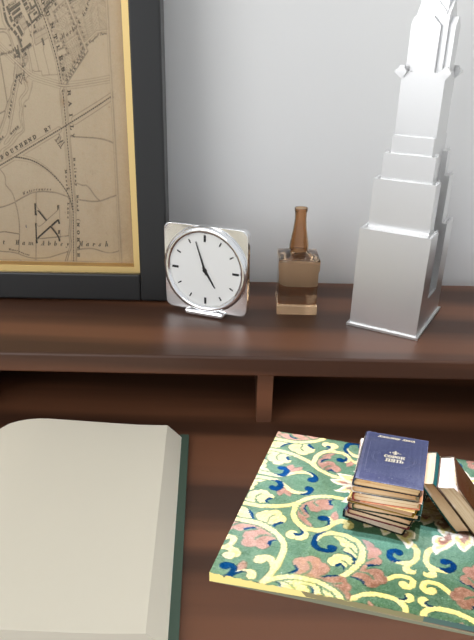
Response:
{"hour": 4, "minute": 57}
